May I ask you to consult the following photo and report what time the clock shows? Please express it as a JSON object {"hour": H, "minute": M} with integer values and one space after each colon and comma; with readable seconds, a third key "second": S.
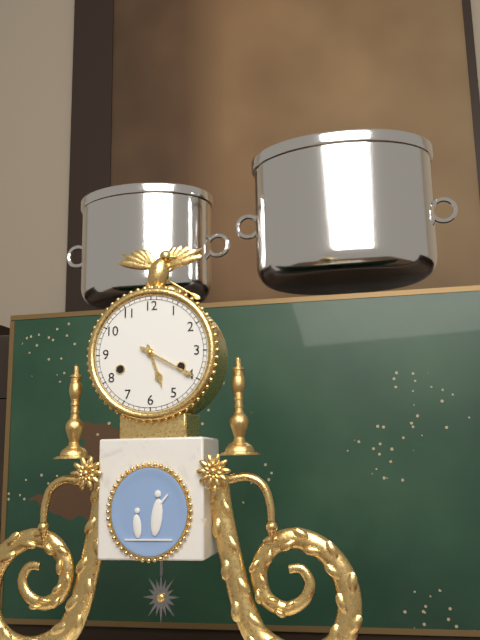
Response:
{"hour": 5, "minute": 20}
